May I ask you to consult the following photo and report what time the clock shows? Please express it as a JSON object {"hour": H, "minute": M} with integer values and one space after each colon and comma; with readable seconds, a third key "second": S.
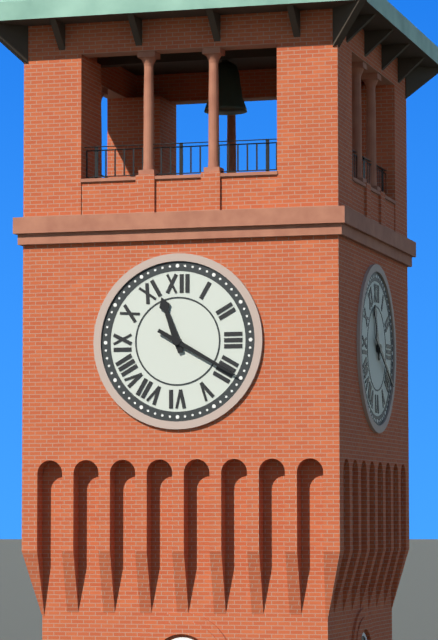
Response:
{"hour": 11, "minute": 20}
